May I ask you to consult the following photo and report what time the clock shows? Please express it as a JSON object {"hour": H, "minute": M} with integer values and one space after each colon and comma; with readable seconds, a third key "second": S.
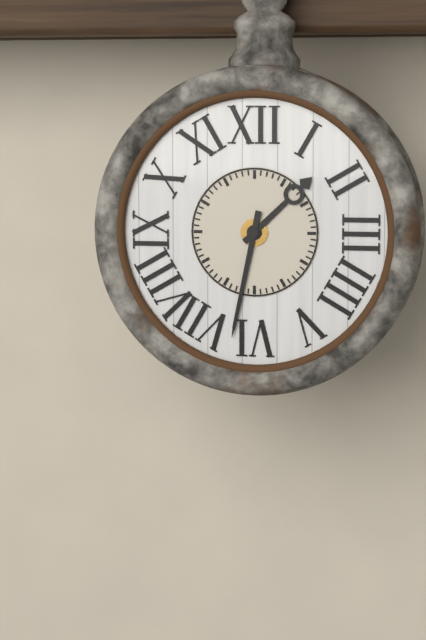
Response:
{"hour": 1, "minute": 32}
